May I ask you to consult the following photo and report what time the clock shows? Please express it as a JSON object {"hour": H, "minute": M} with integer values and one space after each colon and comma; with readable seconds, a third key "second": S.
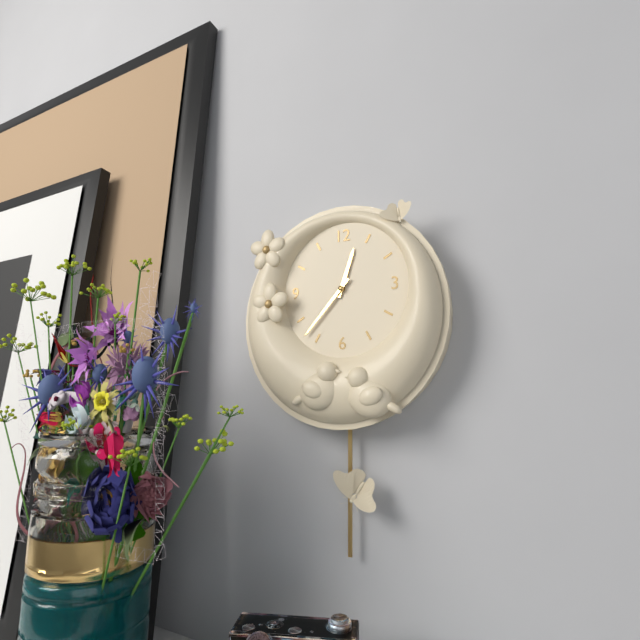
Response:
{"hour": 12, "minute": 37}
